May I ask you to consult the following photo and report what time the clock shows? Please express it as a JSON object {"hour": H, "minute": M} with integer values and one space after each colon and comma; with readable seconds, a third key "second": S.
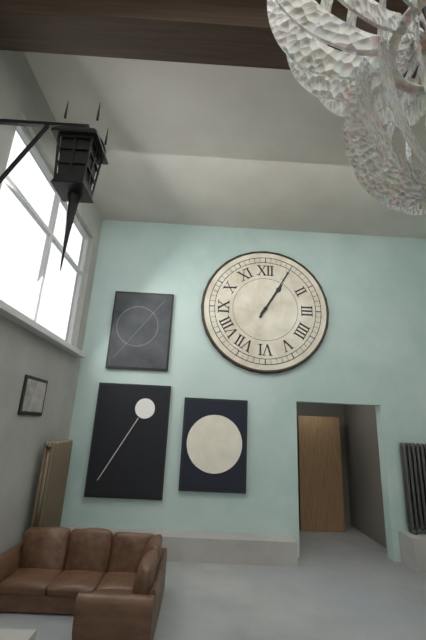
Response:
{"hour": 1, "minute": 5}
